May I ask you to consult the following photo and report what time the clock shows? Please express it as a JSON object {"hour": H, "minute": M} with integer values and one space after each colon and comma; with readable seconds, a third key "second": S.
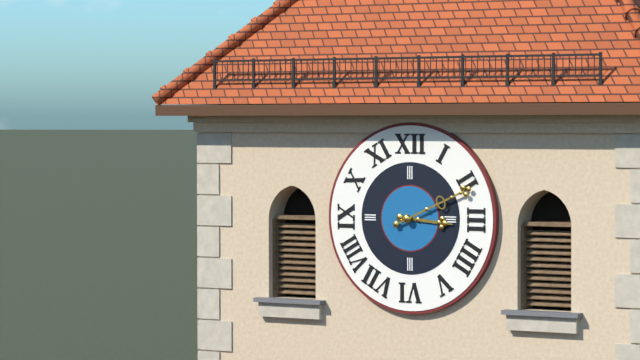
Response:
{"hour": 3, "minute": 11}
